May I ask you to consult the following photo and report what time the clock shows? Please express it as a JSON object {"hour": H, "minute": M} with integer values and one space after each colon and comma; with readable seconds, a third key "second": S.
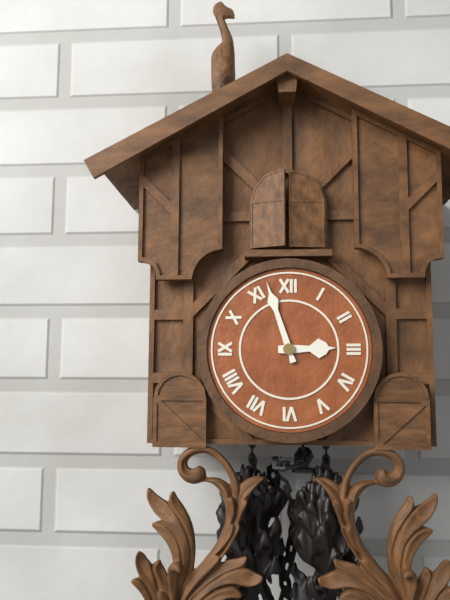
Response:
{"hour": 2, "minute": 57}
